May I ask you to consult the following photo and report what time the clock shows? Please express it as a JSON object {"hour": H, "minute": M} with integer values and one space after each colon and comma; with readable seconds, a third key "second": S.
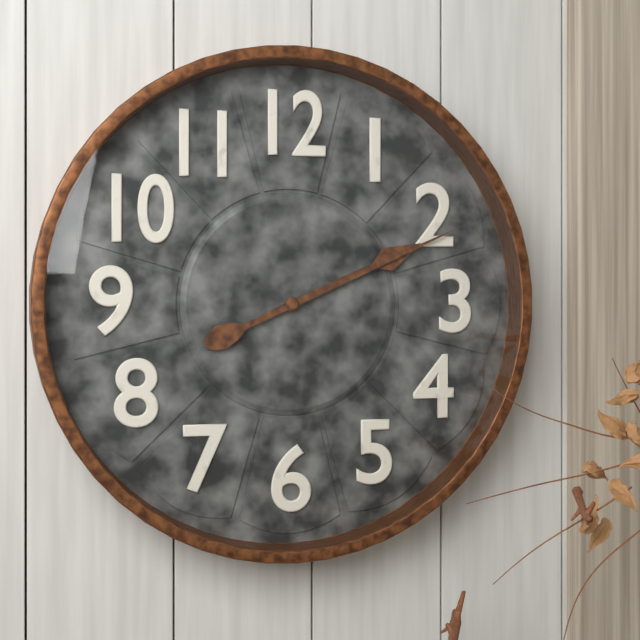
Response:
{"hour": 2, "minute": 11}
